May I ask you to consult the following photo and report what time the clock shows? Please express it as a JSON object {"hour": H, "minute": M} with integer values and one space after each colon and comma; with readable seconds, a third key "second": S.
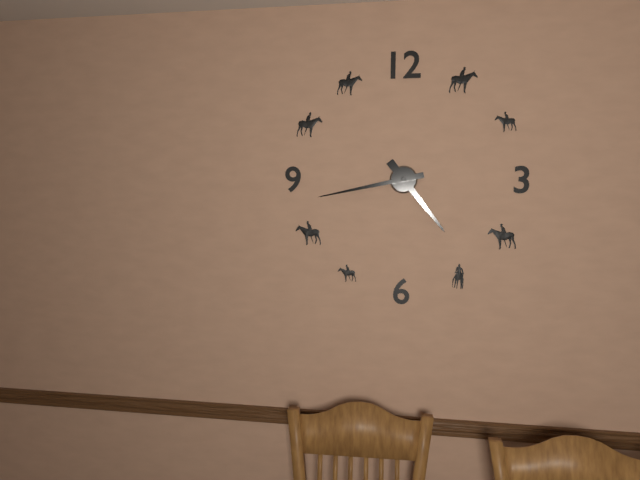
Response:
{"hour": 4, "minute": 43}
